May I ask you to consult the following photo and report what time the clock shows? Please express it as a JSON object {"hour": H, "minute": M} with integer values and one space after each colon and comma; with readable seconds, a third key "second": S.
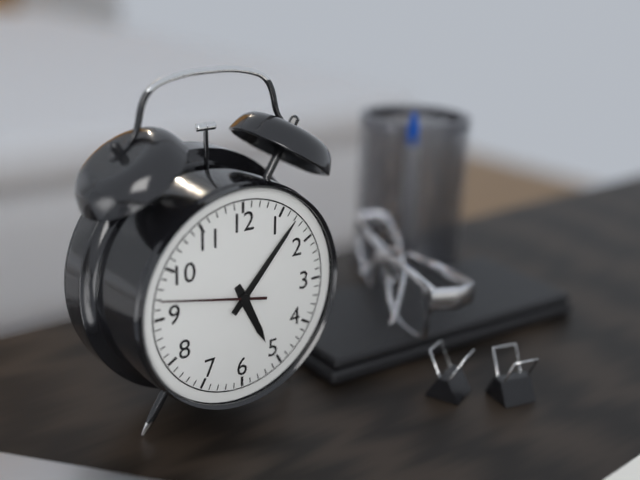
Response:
{"hour": 5, "minute": 7, "second": 47}
